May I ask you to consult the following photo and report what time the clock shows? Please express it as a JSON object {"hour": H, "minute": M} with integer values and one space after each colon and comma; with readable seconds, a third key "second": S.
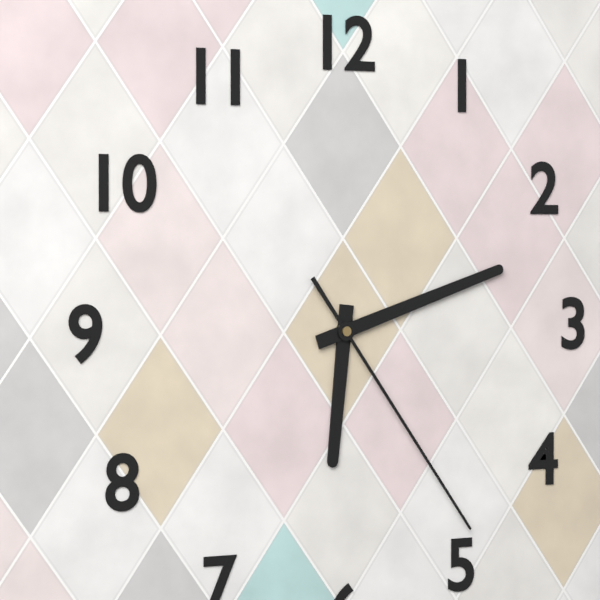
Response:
{"hour": 6, "minute": 12, "second": 24}
